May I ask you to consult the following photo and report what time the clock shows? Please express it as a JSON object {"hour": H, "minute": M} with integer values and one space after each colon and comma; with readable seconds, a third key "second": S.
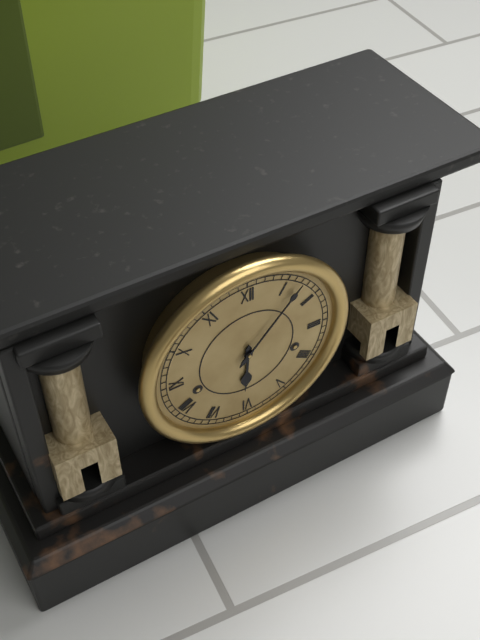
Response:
{"hour": 6, "minute": 7}
